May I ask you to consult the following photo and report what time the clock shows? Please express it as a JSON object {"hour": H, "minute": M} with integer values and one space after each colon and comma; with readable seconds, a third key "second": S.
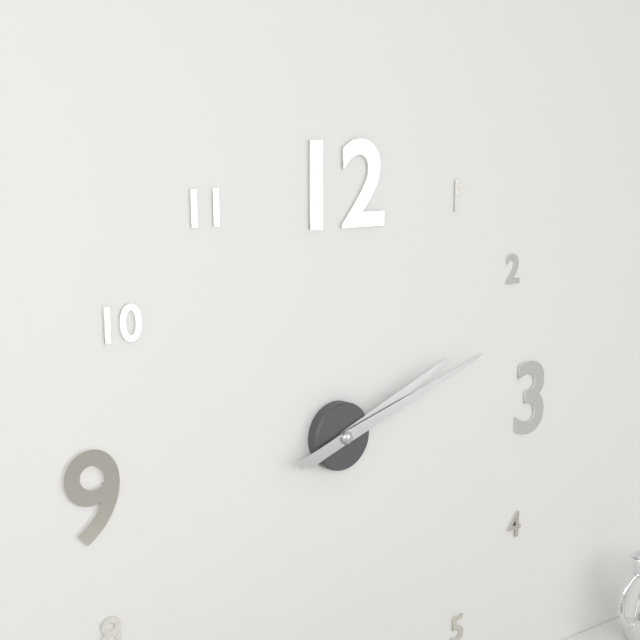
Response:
{"hour": 2, "minute": 12}
